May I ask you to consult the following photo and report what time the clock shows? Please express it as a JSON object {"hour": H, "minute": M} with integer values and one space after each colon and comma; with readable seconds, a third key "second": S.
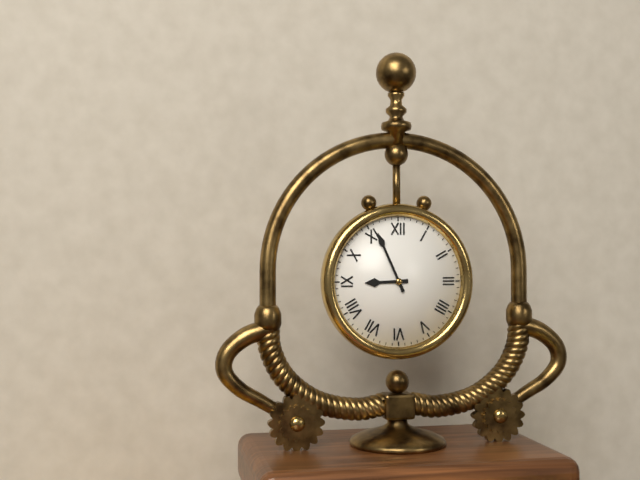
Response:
{"hour": 8, "minute": 56}
